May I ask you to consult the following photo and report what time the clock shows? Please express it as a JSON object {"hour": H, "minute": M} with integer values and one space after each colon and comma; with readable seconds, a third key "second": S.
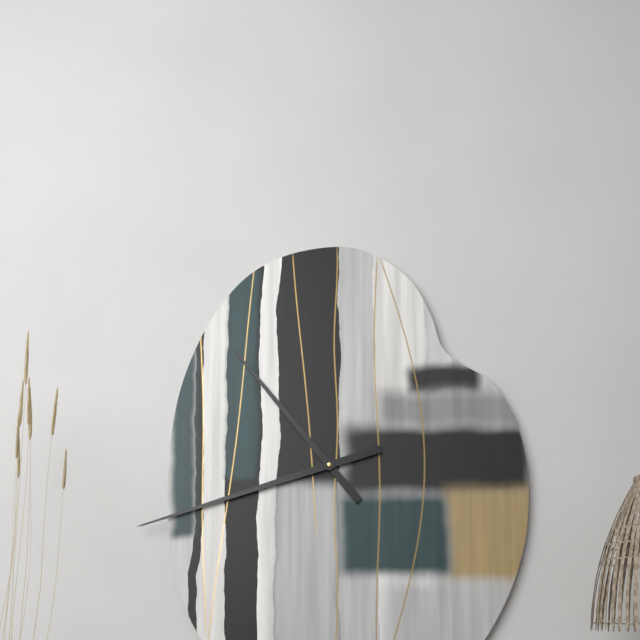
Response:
{"hour": 10, "minute": 42}
